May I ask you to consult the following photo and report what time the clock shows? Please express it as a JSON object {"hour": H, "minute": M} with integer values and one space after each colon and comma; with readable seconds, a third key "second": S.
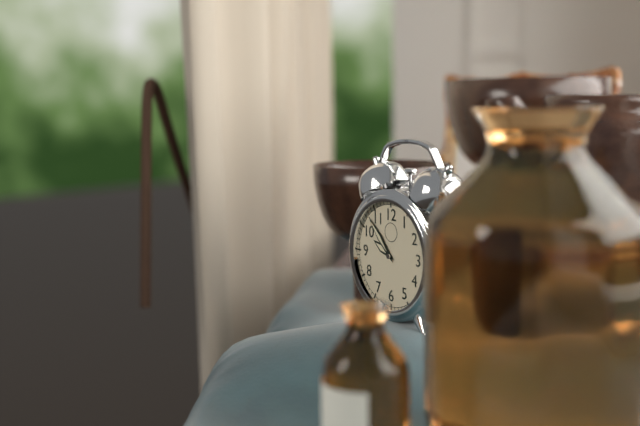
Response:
{"hour": 9, "minute": 53}
